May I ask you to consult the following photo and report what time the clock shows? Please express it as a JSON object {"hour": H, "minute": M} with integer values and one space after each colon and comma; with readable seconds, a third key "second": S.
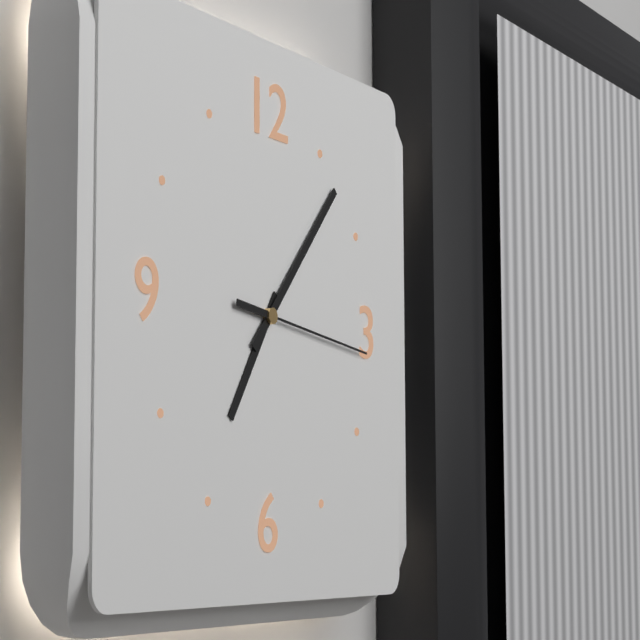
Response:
{"hour": 7, "minute": 7, "second": 16}
